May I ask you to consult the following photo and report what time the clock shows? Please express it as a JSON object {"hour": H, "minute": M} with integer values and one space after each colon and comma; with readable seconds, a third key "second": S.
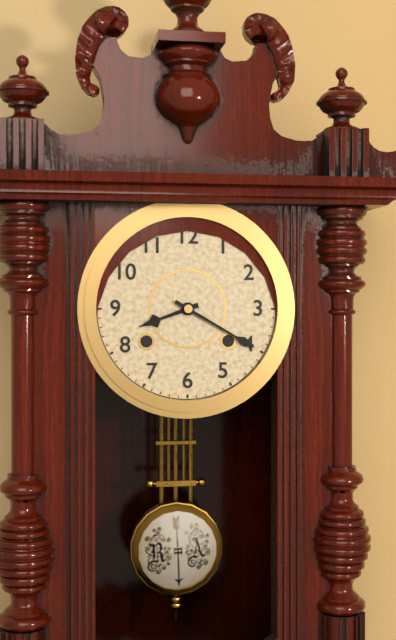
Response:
{"hour": 8, "minute": 20}
